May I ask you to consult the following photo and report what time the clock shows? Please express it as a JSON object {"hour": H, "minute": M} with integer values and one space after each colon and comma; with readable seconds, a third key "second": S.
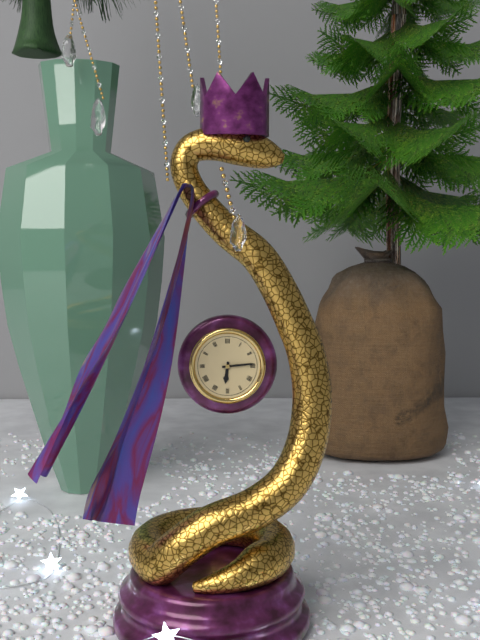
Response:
{"hour": 6, "minute": 14}
